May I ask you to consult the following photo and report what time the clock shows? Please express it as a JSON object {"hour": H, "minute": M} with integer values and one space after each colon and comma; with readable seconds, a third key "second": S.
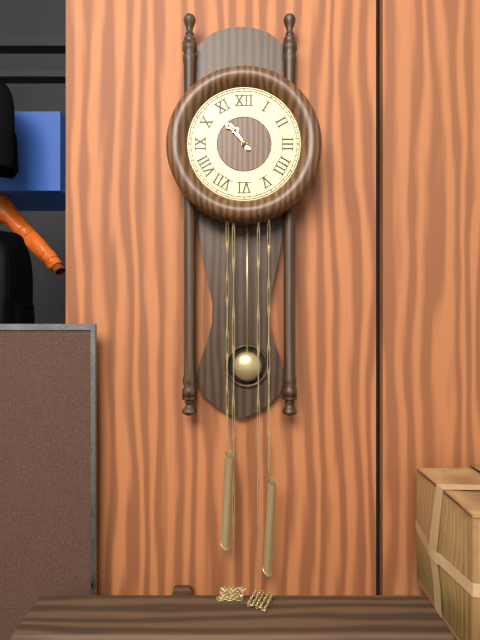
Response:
{"hour": 10, "minute": 53}
